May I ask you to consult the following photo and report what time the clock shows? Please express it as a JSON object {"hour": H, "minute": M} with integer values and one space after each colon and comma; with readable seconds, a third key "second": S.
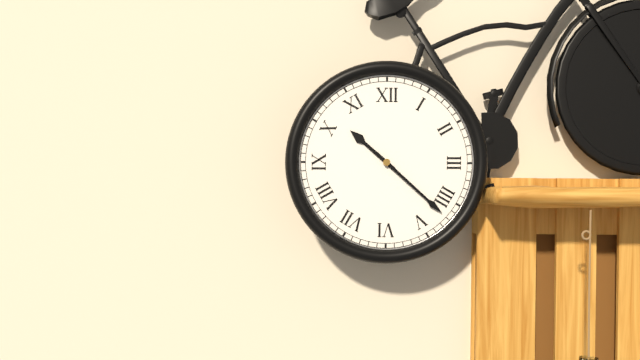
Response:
{"hour": 10, "minute": 22}
